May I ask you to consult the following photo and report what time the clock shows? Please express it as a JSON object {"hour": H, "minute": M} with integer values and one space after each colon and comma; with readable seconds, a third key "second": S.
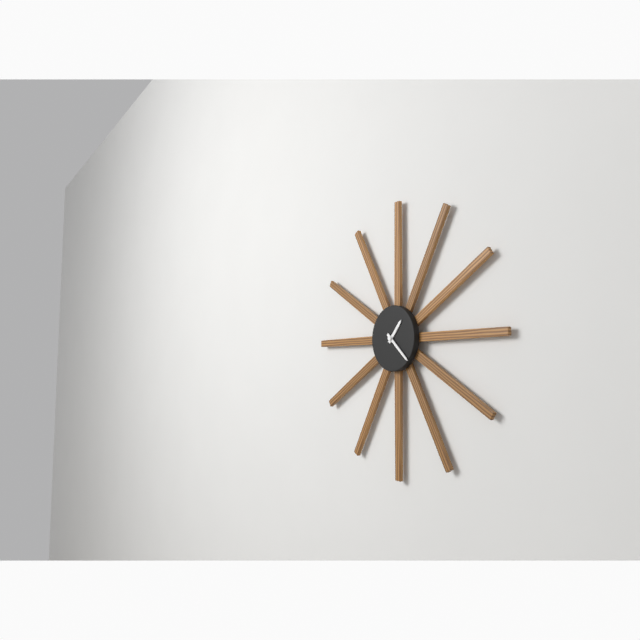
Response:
{"hour": 1, "minute": 22}
